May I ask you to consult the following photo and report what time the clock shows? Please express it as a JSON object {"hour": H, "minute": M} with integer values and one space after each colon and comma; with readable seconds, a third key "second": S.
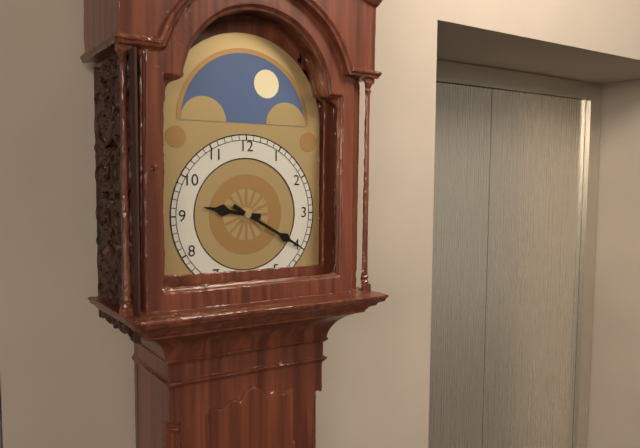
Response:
{"hour": 9, "minute": 20}
